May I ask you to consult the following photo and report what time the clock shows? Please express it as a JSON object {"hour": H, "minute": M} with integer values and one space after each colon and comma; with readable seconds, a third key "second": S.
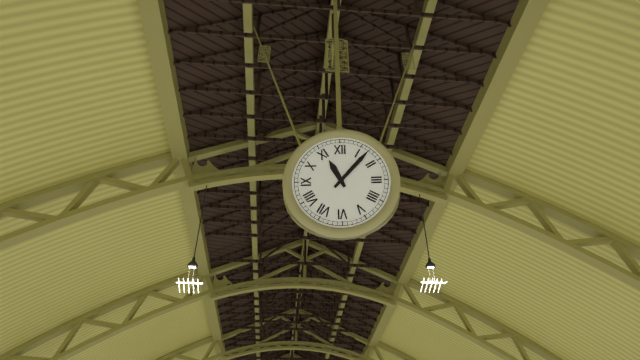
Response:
{"hour": 11, "minute": 7}
